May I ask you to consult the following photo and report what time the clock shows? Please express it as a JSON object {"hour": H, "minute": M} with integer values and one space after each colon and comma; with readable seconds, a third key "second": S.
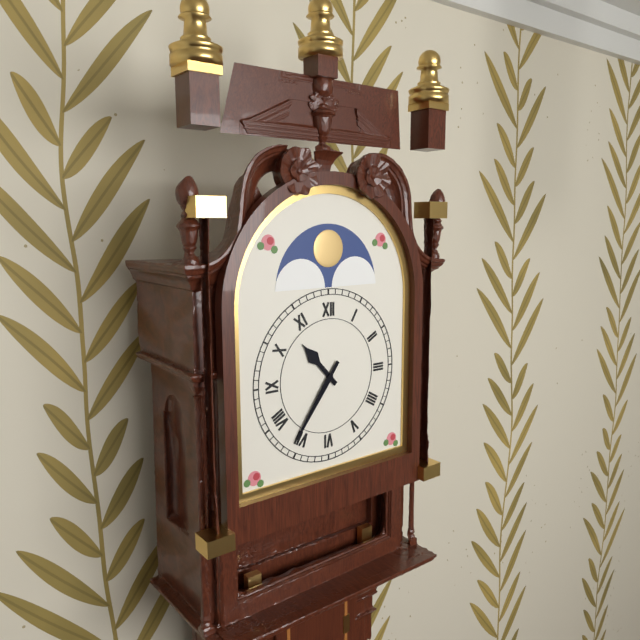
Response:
{"hour": 10, "minute": 36}
